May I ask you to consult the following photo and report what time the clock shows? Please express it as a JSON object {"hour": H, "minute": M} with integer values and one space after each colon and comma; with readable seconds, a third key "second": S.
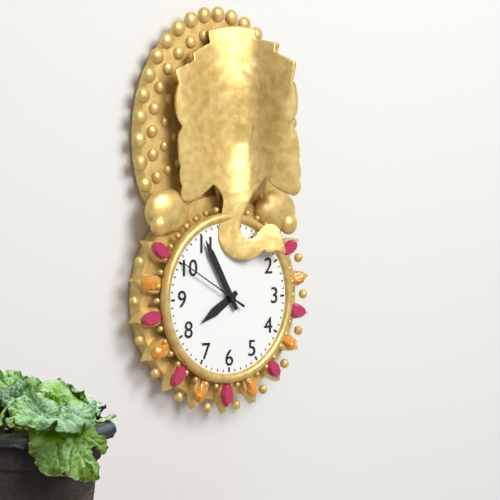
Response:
{"hour": 7, "minute": 55, "second": 50}
